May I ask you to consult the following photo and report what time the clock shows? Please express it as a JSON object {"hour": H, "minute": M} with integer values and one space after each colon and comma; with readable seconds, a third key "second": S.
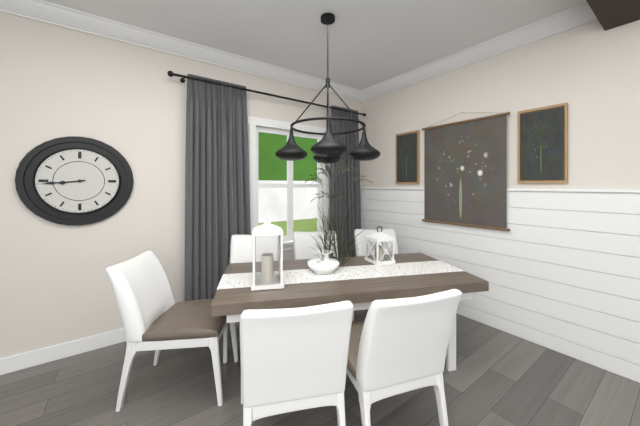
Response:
{"hour": 8, "minute": 44}
